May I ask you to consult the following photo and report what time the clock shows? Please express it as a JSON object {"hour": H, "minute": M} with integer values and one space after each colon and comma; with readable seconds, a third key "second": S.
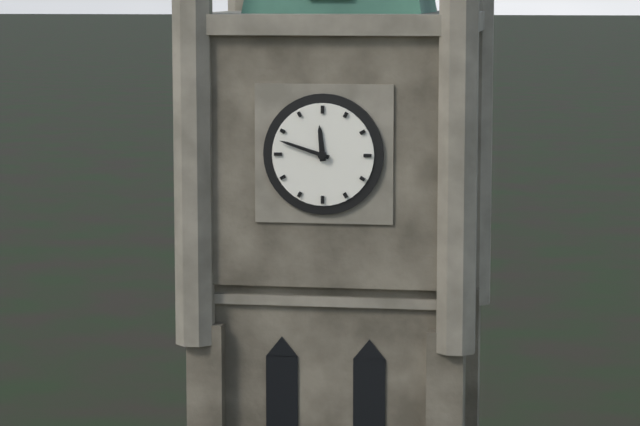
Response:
{"hour": 11, "minute": 48}
